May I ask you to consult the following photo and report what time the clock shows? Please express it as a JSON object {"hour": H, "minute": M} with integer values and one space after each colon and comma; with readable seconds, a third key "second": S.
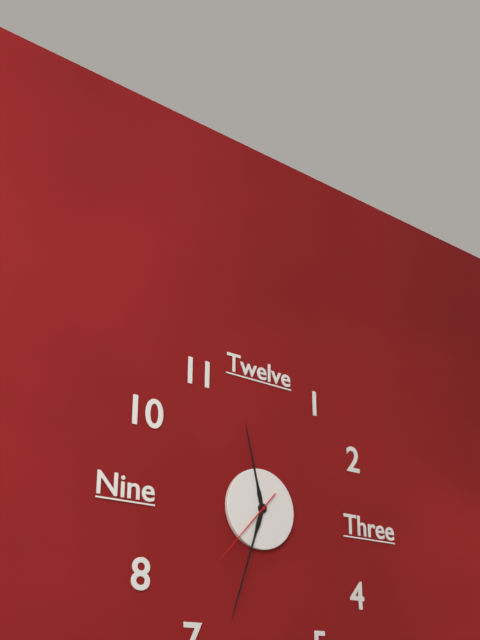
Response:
{"hour": 11, "minute": 33, "second": 37}
